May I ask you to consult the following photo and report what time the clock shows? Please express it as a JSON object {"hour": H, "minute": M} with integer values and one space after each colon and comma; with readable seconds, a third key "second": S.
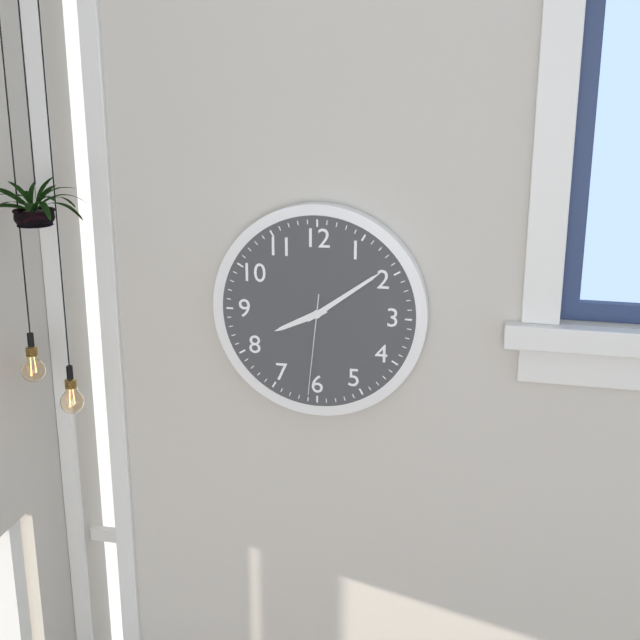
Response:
{"hour": 8, "minute": 9, "second": 31}
